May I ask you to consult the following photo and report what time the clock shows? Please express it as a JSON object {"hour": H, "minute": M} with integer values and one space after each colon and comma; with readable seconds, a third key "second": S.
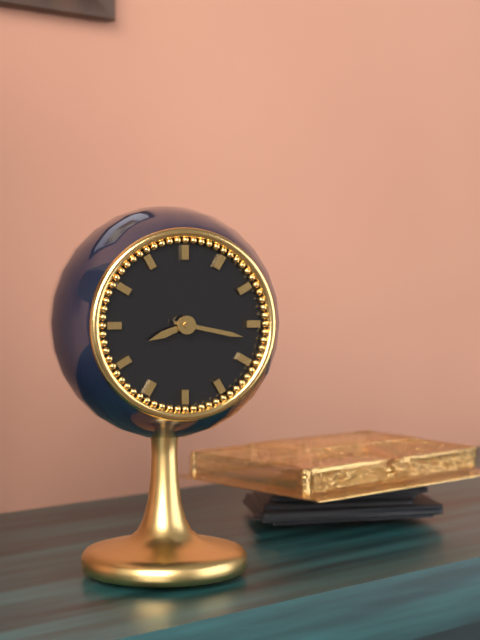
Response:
{"hour": 8, "minute": 17}
